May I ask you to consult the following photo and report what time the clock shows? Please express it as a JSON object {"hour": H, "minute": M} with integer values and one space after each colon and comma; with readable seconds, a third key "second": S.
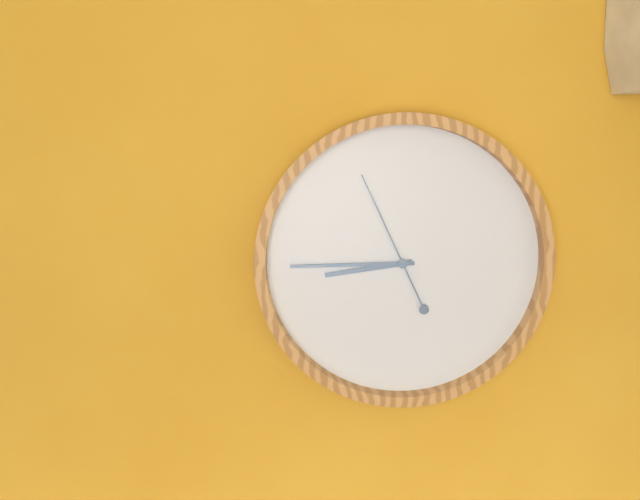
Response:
{"hour": 8, "minute": 45, "second": 56}
